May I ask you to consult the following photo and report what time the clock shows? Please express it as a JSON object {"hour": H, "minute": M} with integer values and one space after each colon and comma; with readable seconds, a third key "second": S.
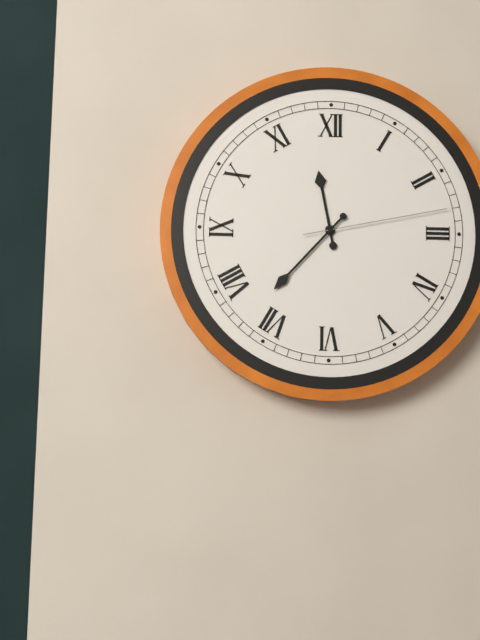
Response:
{"hour": 11, "minute": 37, "second": 13}
